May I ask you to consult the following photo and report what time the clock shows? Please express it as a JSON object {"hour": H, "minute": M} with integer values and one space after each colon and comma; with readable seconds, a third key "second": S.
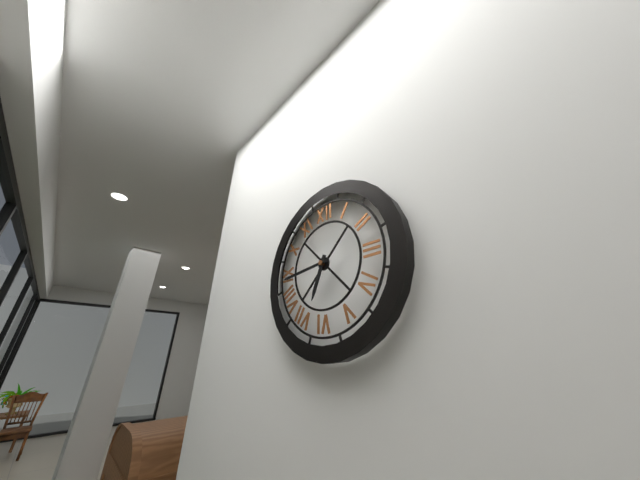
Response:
{"hour": 6, "minute": 44}
